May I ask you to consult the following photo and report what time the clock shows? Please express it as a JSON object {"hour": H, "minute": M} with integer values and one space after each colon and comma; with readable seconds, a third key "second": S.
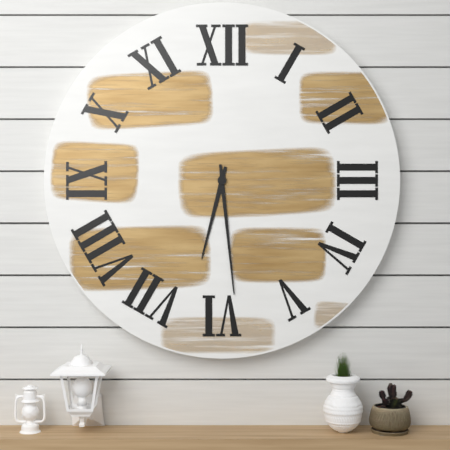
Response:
{"hour": 6, "minute": 29}
